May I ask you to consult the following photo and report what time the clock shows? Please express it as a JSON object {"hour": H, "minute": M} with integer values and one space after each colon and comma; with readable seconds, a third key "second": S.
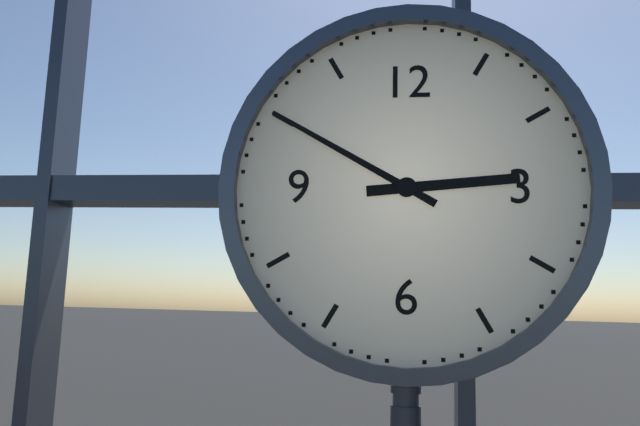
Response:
{"hour": 2, "minute": 50}
